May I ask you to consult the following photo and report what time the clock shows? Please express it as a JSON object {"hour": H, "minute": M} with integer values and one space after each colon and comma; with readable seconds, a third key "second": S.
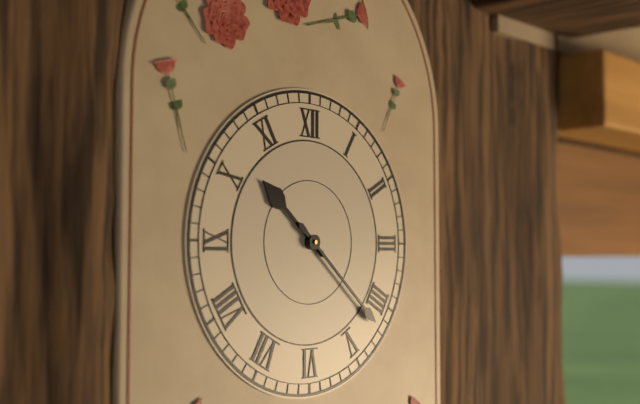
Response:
{"hour": 10, "minute": 22}
